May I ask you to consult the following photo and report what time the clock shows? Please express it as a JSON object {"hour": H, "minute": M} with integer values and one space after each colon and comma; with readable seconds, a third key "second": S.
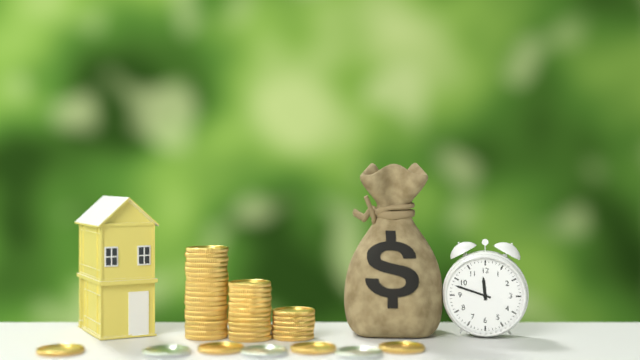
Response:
{"hour": 11, "minute": 48}
